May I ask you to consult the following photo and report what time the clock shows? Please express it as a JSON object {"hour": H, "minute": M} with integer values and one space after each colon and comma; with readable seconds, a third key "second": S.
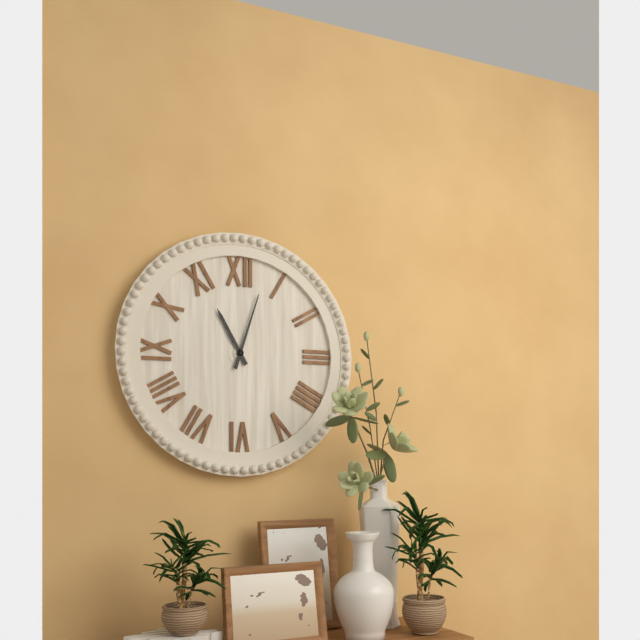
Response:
{"hour": 11, "minute": 3}
